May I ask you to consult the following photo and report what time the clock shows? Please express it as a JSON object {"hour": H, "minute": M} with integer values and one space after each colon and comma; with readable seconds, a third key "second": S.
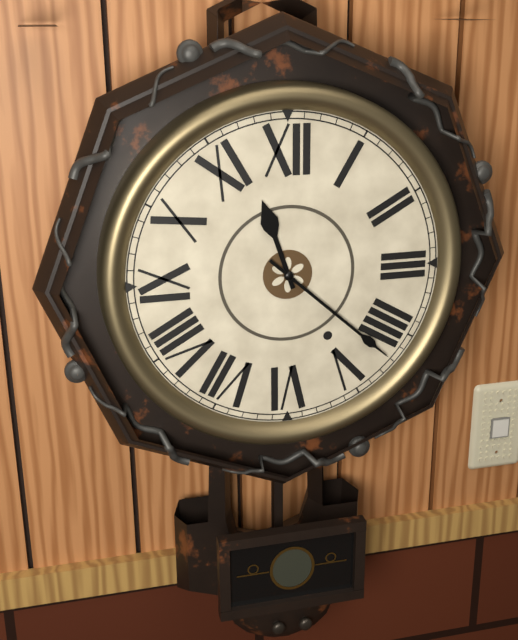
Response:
{"hour": 11, "minute": 22}
